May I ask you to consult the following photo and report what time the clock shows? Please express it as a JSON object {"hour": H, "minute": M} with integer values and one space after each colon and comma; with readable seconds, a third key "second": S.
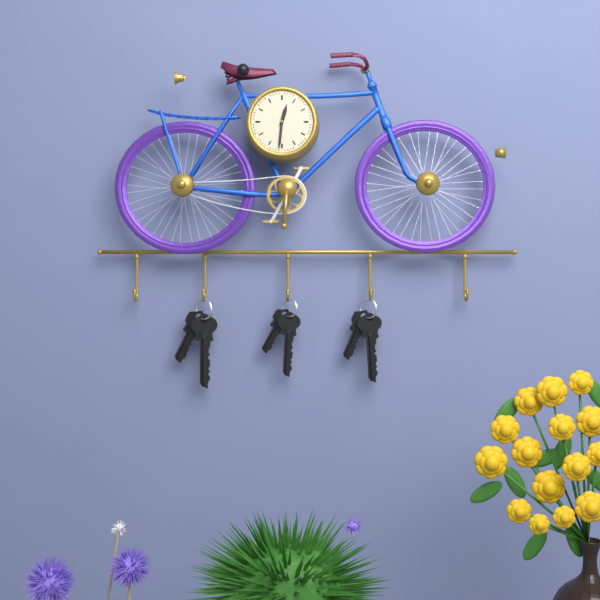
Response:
{"hour": 12, "minute": 31}
